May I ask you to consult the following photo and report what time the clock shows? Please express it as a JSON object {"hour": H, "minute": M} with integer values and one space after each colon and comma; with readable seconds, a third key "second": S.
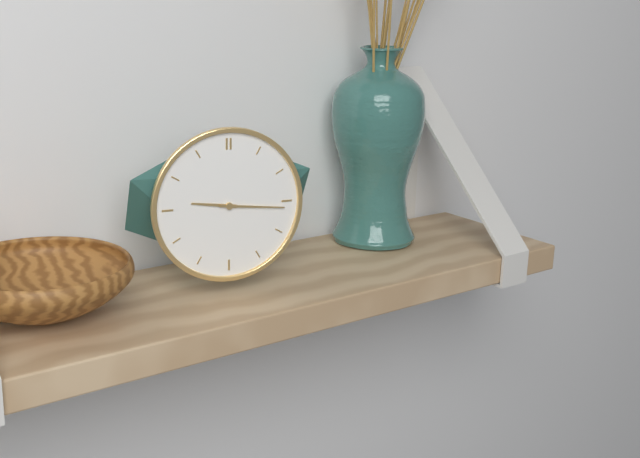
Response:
{"hour": 9, "minute": 16}
